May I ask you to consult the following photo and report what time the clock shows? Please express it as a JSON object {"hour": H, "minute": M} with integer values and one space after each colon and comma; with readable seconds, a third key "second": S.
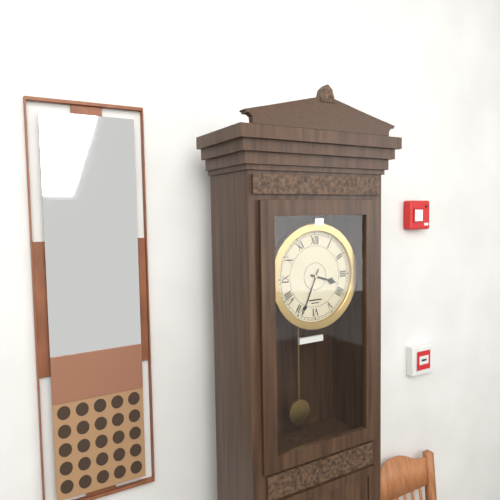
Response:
{"hour": 3, "minute": 34}
